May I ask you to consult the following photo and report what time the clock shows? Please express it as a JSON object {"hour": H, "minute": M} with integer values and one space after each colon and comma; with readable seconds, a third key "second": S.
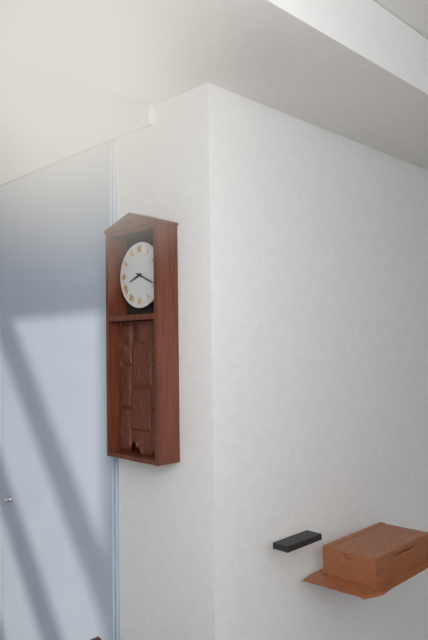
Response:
{"hour": 8, "minute": 19}
